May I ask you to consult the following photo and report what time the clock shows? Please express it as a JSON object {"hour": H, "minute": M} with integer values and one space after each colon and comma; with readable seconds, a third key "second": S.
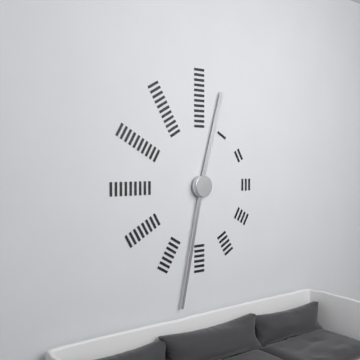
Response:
{"hour": 12, "minute": 32}
